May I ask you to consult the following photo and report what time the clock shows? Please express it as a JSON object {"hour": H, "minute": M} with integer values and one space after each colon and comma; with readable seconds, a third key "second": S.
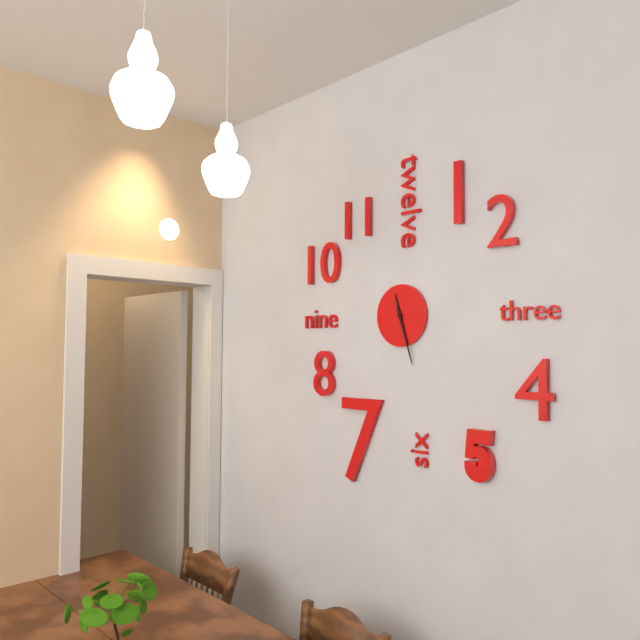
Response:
{"hour": 11, "minute": 27}
